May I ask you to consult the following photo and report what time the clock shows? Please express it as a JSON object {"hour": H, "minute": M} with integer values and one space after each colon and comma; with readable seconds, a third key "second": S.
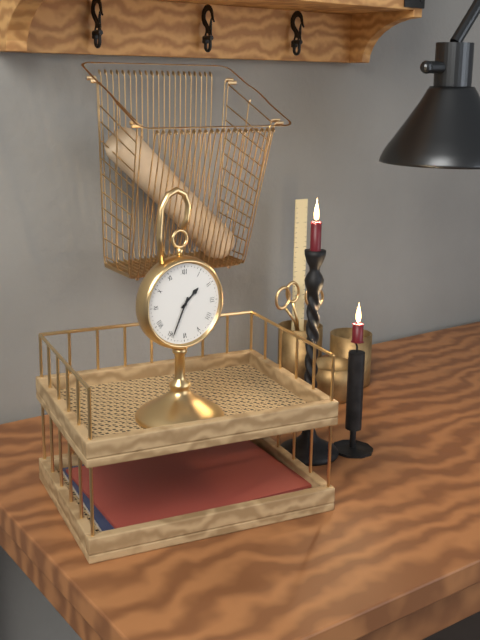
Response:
{"hour": 1, "minute": 34}
